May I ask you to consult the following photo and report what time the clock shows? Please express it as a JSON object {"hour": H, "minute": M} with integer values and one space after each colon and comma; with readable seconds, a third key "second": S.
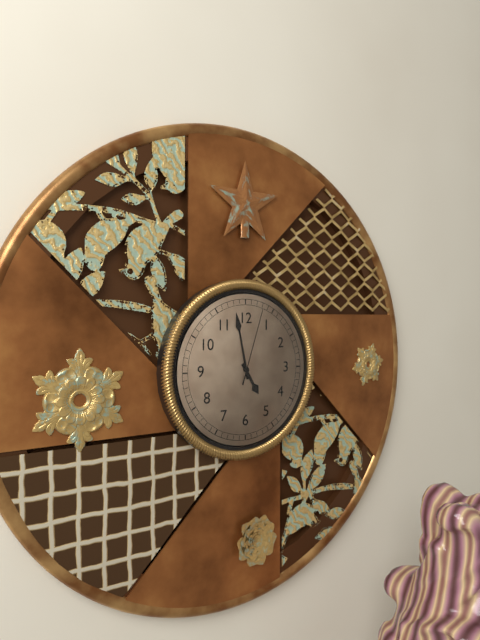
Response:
{"hour": 4, "minute": 58, "second": 3}
